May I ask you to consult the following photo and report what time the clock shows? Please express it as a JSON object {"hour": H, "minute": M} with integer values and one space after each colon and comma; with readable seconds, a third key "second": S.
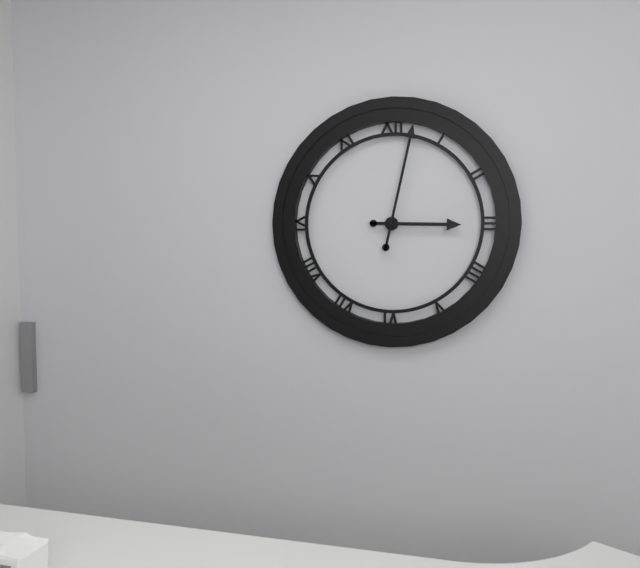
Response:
{"hour": 3, "minute": 2}
